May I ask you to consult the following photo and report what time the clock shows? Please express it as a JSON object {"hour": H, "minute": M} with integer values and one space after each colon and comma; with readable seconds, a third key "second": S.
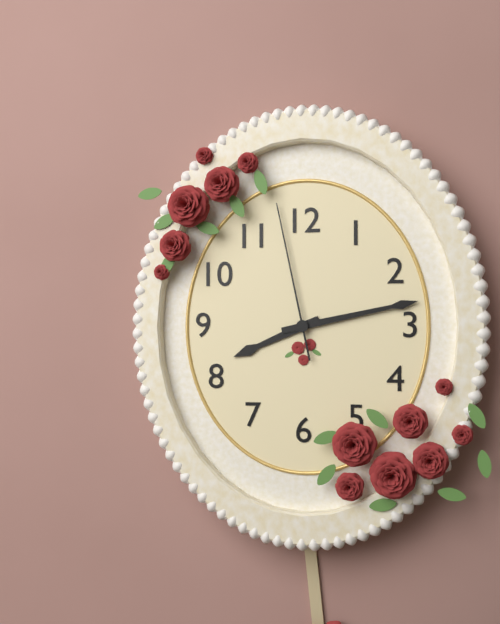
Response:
{"hour": 8, "minute": 13, "second": 58}
